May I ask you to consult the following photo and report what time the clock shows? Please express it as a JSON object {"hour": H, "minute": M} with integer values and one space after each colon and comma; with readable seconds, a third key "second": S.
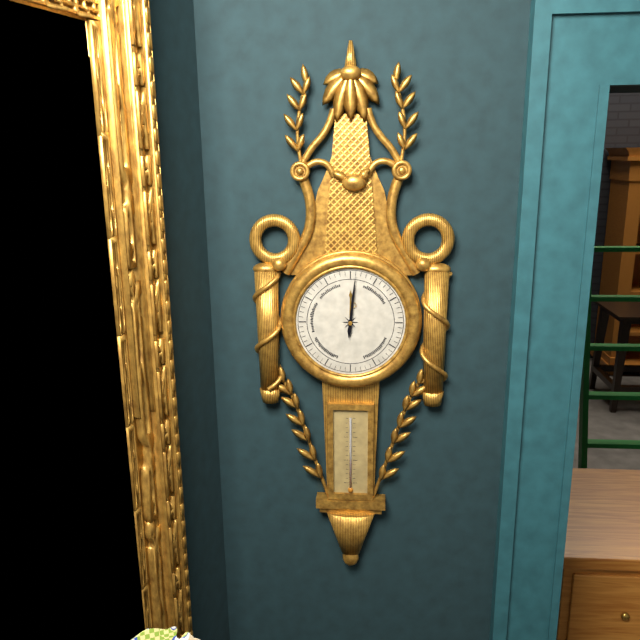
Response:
{"hour": 12, "minute": 1}
